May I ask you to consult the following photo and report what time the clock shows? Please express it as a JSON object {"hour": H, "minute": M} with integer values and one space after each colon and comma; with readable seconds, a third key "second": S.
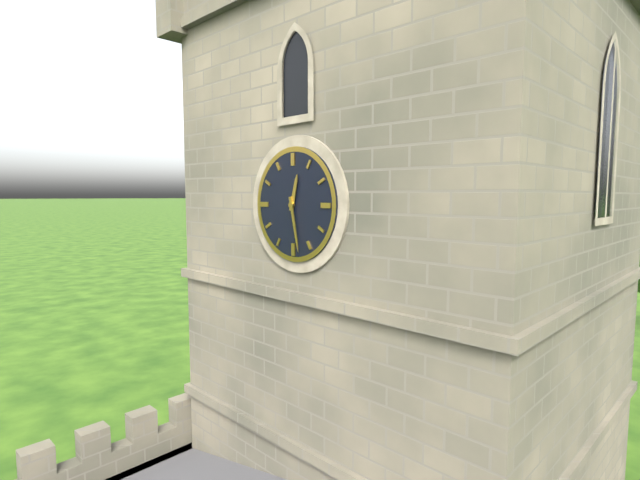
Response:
{"hour": 12, "minute": 28}
